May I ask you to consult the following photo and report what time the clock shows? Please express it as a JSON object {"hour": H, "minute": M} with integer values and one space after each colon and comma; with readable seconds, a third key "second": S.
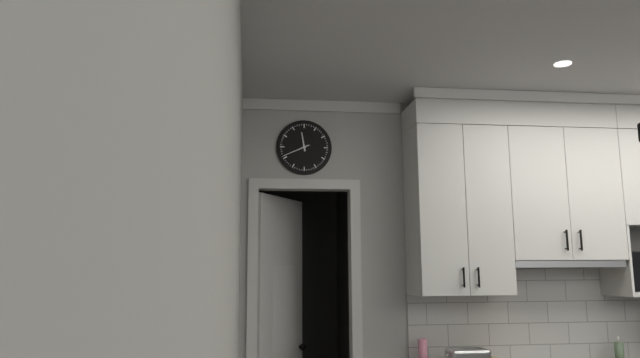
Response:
{"hour": 11, "minute": 41}
